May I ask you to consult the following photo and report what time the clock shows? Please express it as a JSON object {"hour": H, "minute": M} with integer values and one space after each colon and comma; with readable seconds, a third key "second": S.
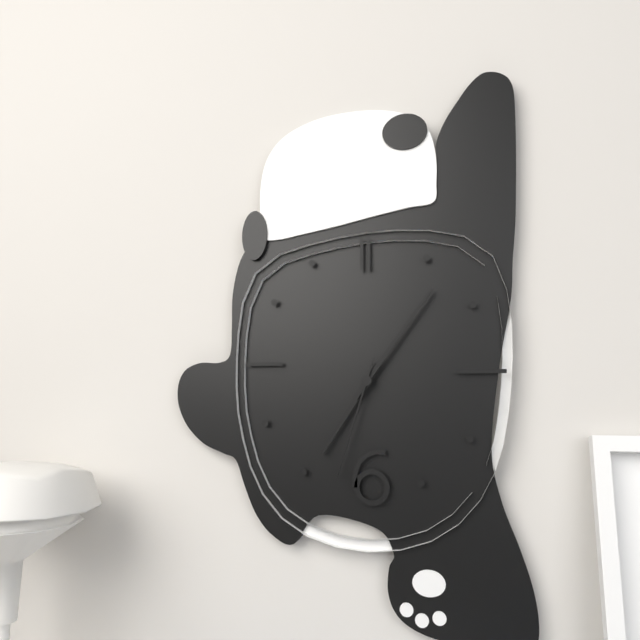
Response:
{"hour": 7, "minute": 6, "second": 33}
